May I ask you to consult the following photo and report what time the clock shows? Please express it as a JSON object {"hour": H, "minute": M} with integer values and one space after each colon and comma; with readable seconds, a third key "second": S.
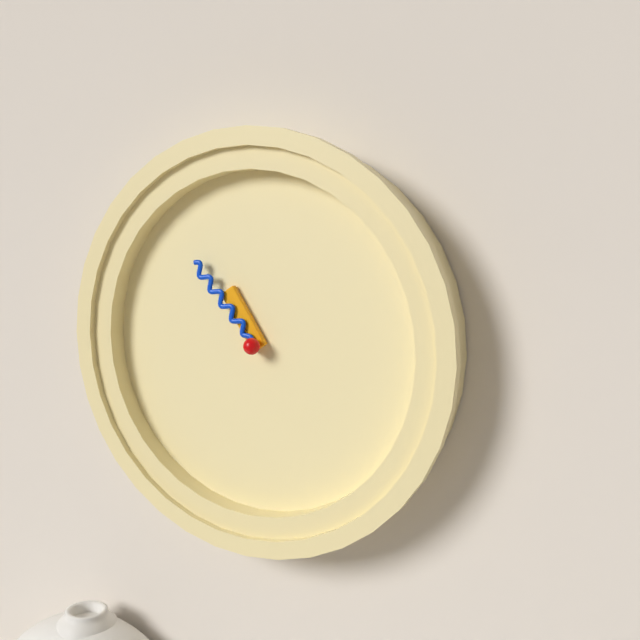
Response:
{"hour": 10, "minute": 53}
